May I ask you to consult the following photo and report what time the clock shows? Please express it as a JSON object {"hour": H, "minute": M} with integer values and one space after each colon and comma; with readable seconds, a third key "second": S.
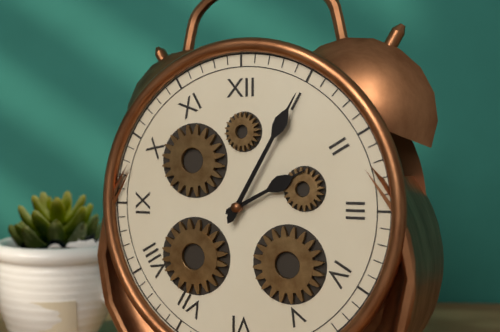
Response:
{"hour": 2, "minute": 5}
